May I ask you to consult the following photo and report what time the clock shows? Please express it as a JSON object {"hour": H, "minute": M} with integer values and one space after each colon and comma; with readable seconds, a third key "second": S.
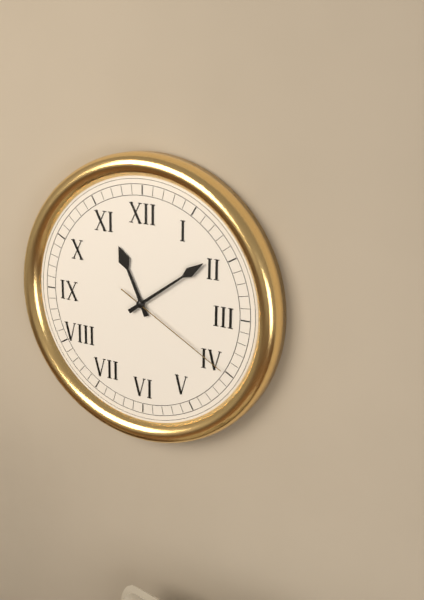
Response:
{"hour": 11, "minute": 9, "second": 20}
